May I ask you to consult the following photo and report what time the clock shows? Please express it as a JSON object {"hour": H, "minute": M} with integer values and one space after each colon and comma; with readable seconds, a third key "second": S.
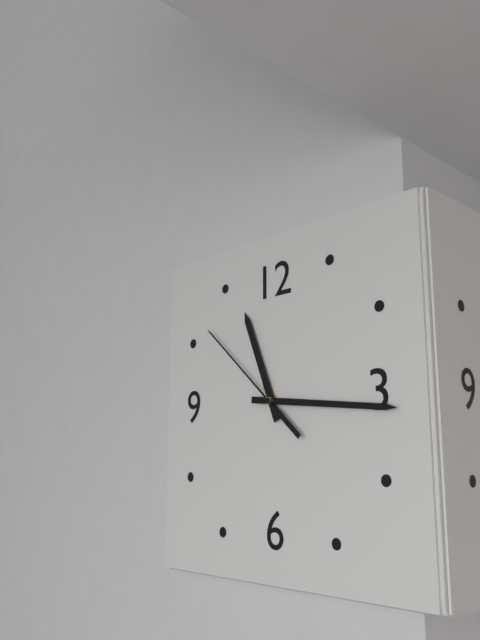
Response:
{"hour": 11, "minute": 16, "second": 52}
